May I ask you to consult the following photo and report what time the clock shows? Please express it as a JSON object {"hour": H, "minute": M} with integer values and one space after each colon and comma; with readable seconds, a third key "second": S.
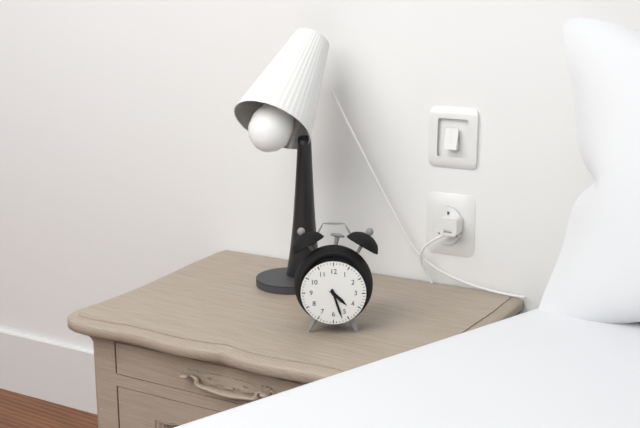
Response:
{"hour": 4, "minute": 27}
